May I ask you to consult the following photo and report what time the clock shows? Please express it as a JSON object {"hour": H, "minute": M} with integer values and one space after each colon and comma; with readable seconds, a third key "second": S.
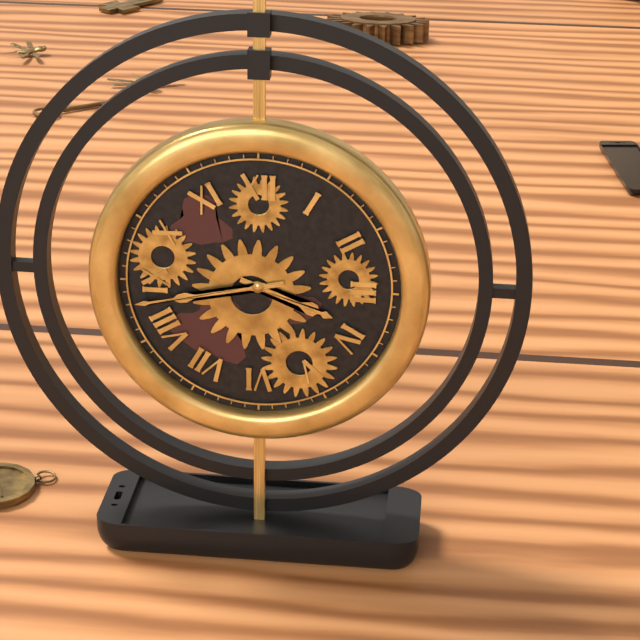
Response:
{"hour": 3, "minute": 43}
